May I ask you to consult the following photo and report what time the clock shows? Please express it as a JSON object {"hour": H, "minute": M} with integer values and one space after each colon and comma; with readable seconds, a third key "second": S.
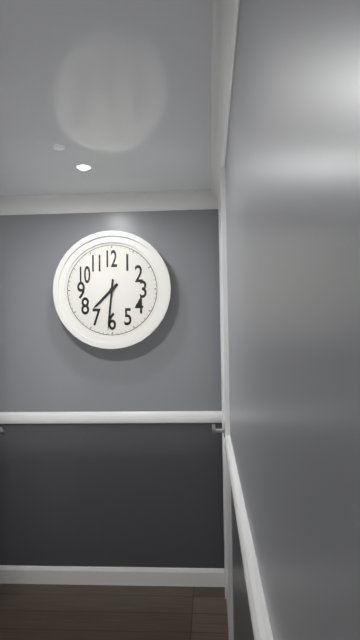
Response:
{"hour": 7, "minute": 31}
